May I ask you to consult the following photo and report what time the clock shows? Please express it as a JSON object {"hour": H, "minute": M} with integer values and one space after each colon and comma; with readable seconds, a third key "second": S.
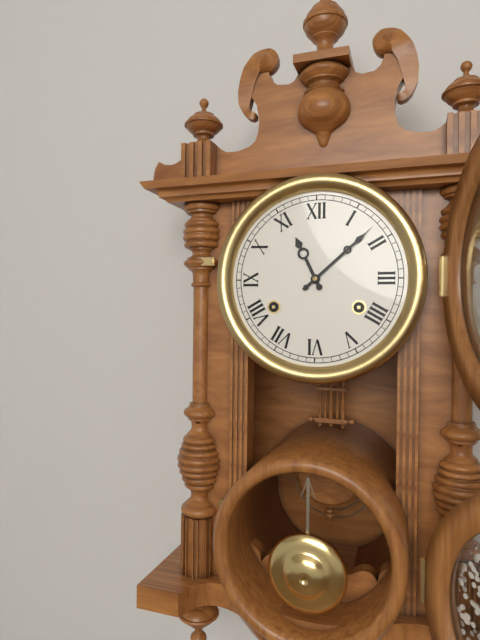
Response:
{"hour": 11, "minute": 8}
